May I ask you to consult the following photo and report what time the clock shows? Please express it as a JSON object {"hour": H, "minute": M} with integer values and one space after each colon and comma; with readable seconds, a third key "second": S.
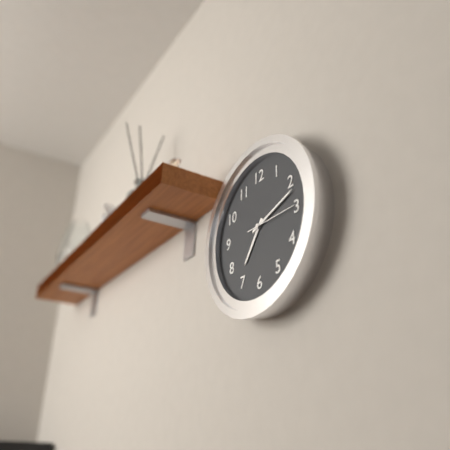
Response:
{"hour": 7, "minute": 12, "second": 15}
